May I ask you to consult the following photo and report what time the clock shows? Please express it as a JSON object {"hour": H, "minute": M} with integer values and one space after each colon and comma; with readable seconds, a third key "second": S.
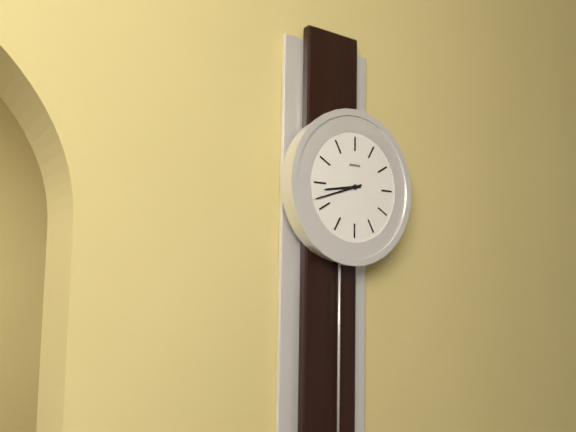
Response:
{"hour": 8, "minute": 42}
